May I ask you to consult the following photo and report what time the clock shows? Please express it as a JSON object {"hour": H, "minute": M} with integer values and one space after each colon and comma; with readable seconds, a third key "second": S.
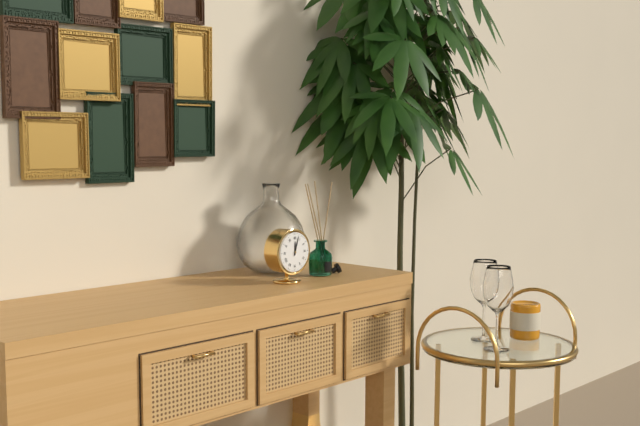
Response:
{"hour": 12, "minute": 3}
